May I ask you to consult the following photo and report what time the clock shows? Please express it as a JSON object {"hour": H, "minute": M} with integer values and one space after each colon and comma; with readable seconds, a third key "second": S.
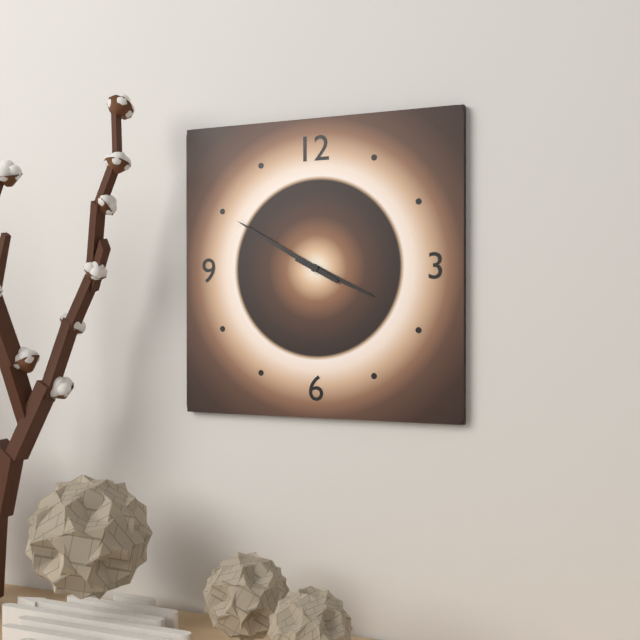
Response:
{"hour": 3, "minute": 50}
